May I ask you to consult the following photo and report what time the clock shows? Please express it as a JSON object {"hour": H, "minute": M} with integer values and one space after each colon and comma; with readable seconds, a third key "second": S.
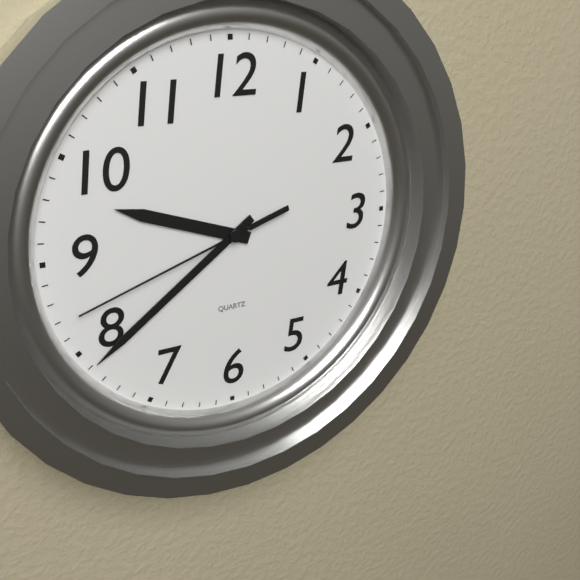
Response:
{"hour": 9, "minute": 39, "second": 42}
